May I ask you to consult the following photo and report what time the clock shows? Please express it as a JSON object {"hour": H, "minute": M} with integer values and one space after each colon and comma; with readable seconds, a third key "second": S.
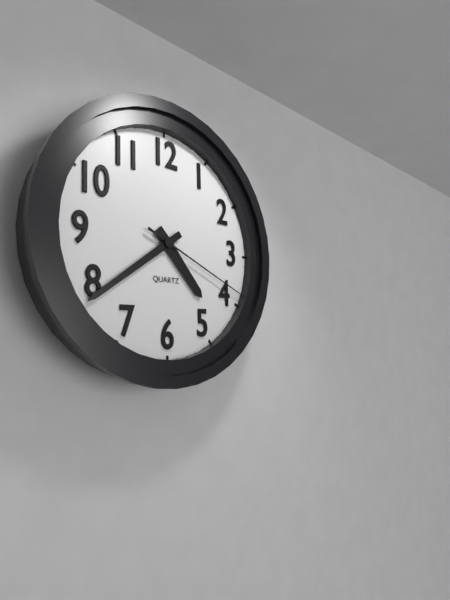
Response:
{"hour": 4, "minute": 39, "second": 19}
